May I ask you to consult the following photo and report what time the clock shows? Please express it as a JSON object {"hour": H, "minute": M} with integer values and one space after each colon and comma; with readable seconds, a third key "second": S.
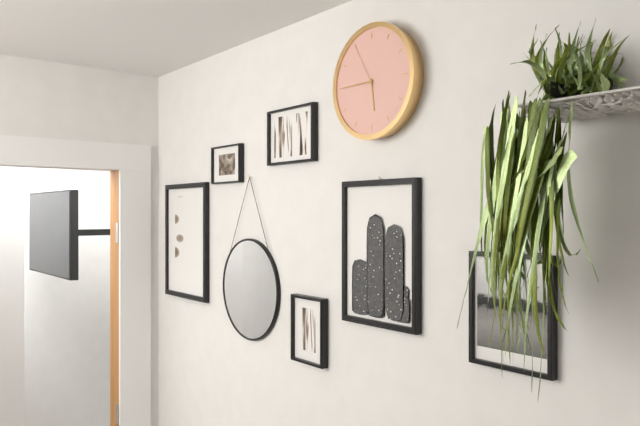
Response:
{"hour": 5, "minute": 45}
